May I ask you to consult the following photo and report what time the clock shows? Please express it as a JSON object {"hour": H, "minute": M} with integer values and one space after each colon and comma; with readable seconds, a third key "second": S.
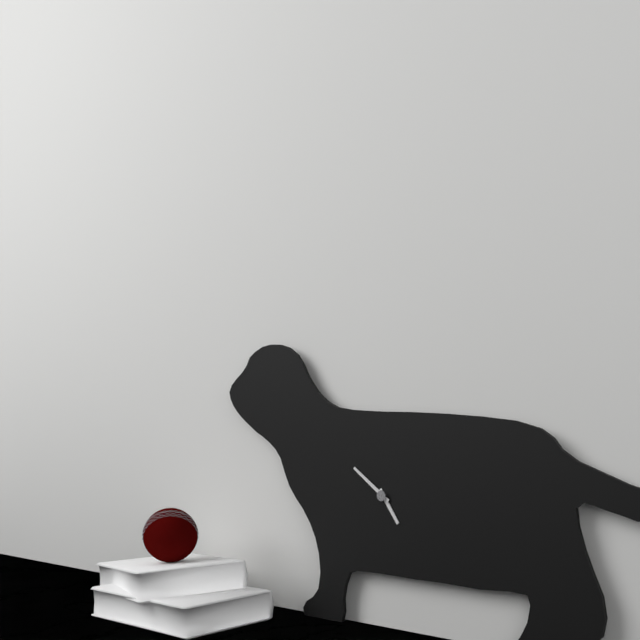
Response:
{"hour": 4, "minute": 51}
